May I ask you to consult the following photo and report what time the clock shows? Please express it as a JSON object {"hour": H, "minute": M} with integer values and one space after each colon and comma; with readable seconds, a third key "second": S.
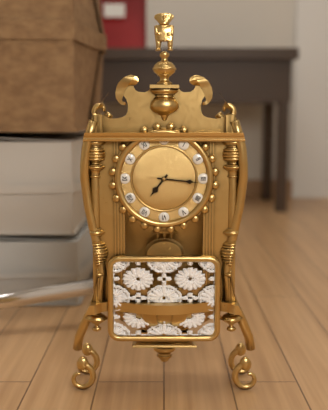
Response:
{"hour": 7, "minute": 16}
